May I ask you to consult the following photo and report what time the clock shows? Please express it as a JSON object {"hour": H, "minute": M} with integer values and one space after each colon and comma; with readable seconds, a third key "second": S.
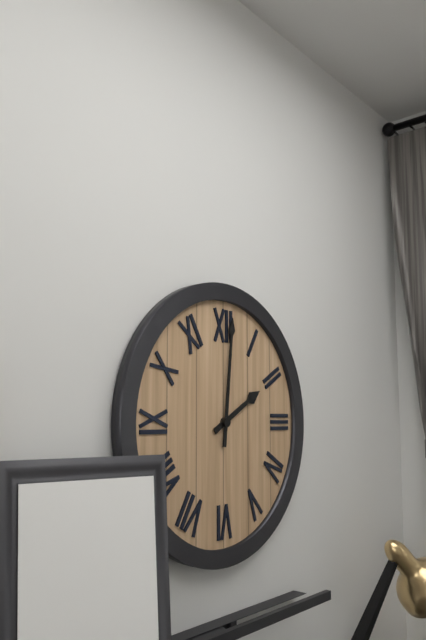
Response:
{"hour": 2, "minute": 1}
